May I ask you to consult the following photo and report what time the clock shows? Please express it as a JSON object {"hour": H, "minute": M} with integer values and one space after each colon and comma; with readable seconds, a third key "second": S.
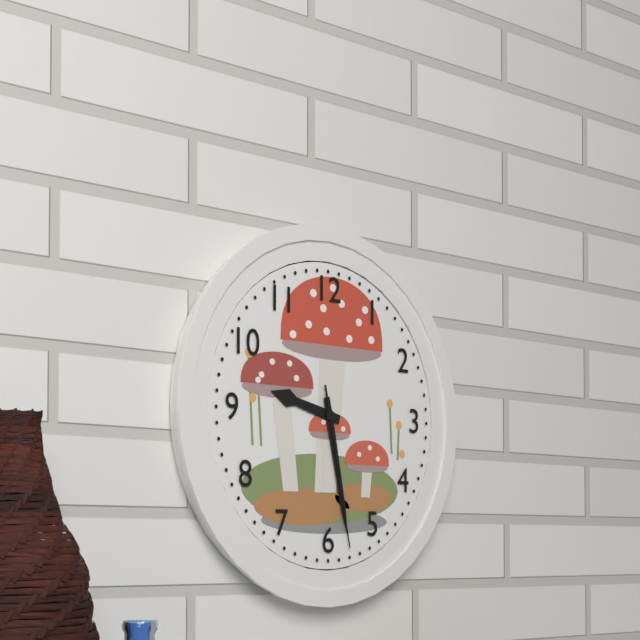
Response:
{"hour": 9, "minute": 28, "second": 28}
